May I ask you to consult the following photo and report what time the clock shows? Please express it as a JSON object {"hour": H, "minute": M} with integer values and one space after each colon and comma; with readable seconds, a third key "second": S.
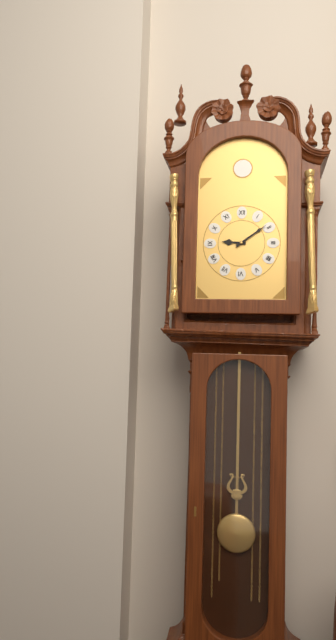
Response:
{"hour": 9, "minute": 9}
